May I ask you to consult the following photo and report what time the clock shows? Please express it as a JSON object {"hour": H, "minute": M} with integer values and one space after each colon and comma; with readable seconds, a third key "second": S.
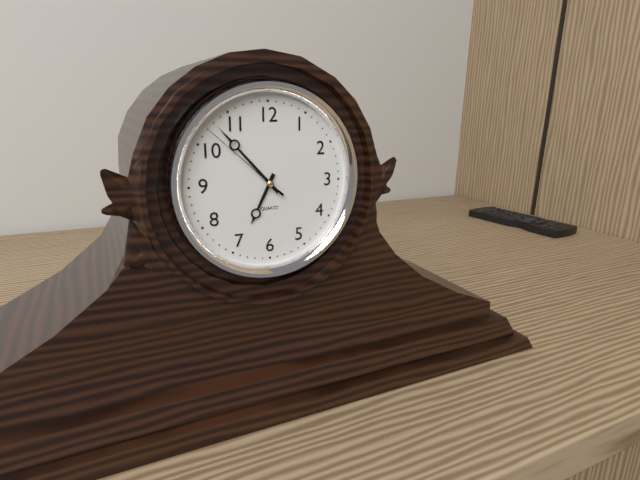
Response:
{"hour": 6, "minute": 53, "second": 52}
